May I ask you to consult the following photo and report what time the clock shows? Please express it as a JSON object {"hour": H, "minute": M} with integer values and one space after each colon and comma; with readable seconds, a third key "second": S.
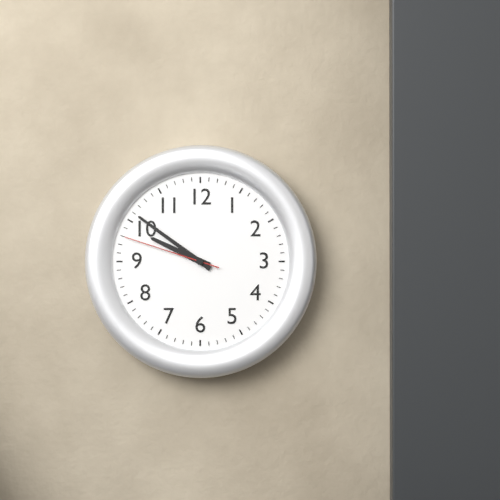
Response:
{"hour": 9, "minute": 51, "second": 48}
